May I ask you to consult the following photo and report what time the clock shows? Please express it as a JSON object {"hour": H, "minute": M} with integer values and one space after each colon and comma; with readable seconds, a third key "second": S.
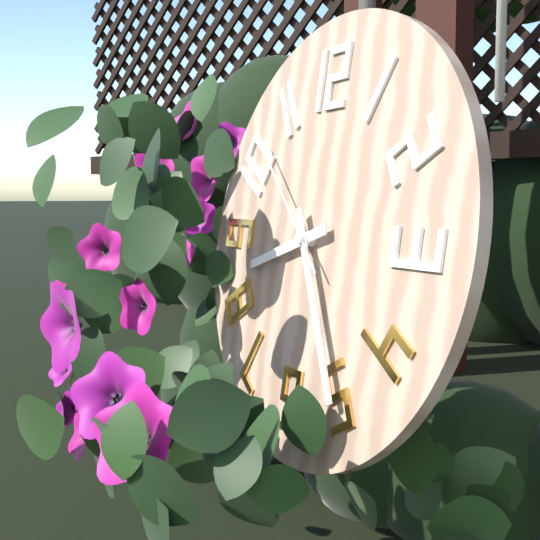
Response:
{"hour": 8, "minute": 25, "second": 52}
